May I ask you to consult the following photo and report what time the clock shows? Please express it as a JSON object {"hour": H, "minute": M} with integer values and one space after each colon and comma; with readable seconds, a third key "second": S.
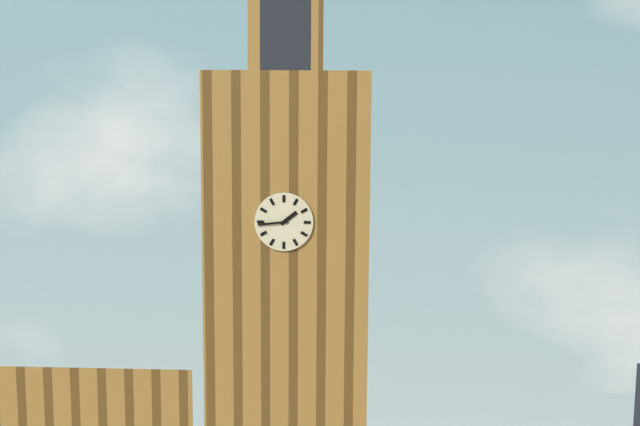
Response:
{"hour": 1, "minute": 44}
